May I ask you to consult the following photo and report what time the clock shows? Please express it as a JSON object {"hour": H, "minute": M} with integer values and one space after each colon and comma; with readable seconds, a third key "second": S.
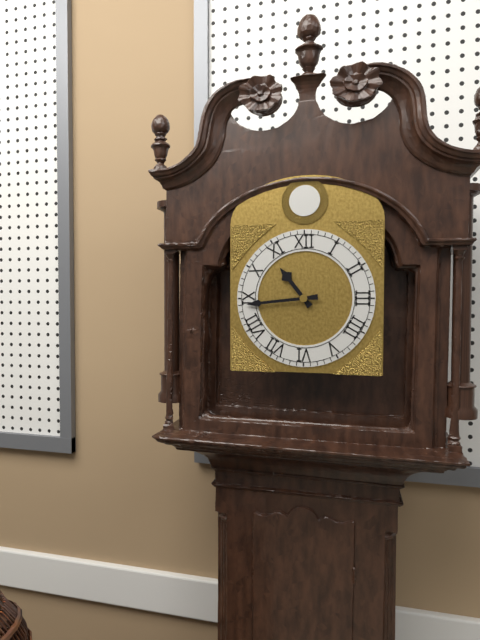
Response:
{"hour": 10, "minute": 44}
